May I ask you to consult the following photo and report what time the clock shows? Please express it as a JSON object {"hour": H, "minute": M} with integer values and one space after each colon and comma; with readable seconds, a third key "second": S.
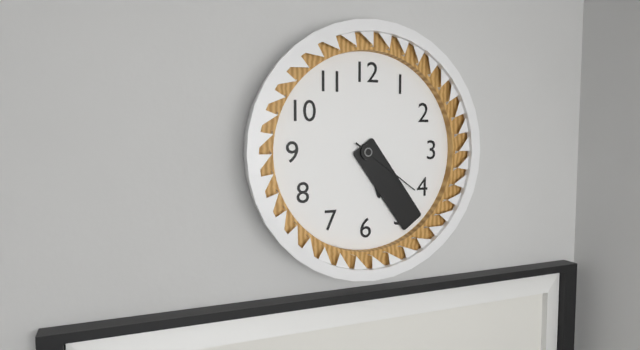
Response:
{"hour": 5, "minute": 24, "second": 21}
